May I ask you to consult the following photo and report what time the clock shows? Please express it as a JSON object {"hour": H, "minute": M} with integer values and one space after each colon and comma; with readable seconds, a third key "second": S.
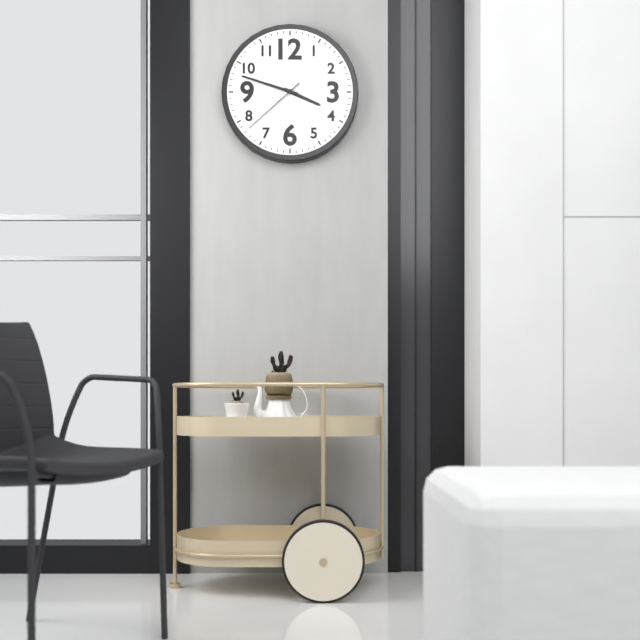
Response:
{"hour": 3, "minute": 48, "second": 38}
